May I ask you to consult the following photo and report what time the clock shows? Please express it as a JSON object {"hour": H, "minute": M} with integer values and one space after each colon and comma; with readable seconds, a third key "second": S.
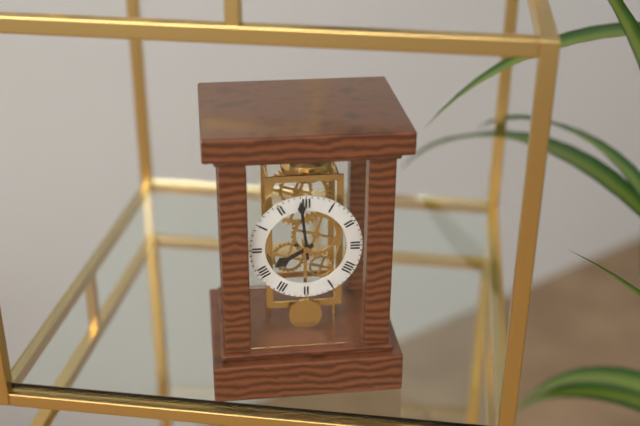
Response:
{"hour": 7, "minute": 59}
